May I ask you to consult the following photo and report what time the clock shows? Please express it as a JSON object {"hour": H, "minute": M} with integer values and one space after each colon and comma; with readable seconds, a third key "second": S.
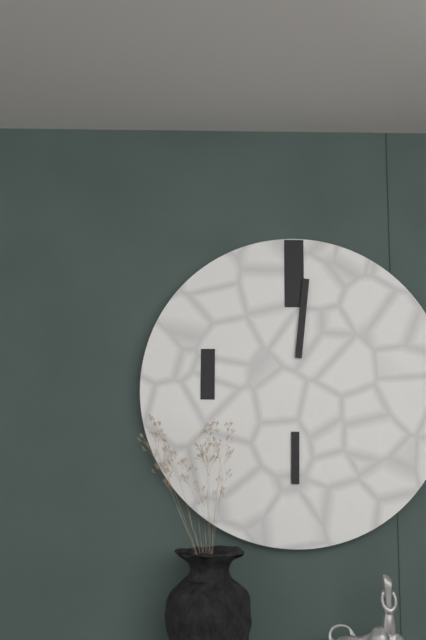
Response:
{"hour": 6, "minute": 1}
